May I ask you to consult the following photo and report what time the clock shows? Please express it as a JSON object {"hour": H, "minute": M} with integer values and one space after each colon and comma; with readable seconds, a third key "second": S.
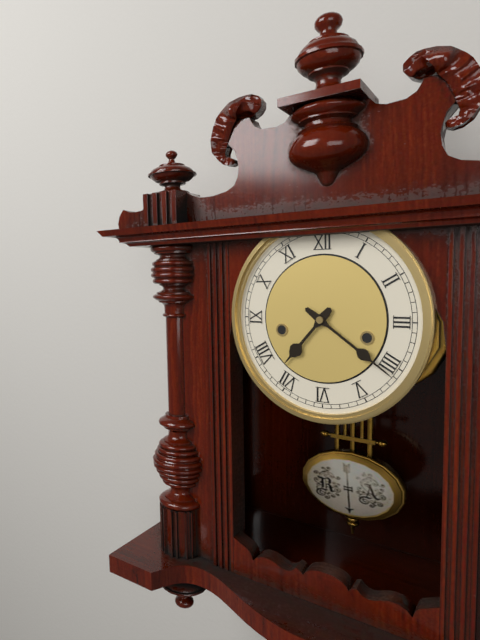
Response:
{"hour": 7, "minute": 21}
